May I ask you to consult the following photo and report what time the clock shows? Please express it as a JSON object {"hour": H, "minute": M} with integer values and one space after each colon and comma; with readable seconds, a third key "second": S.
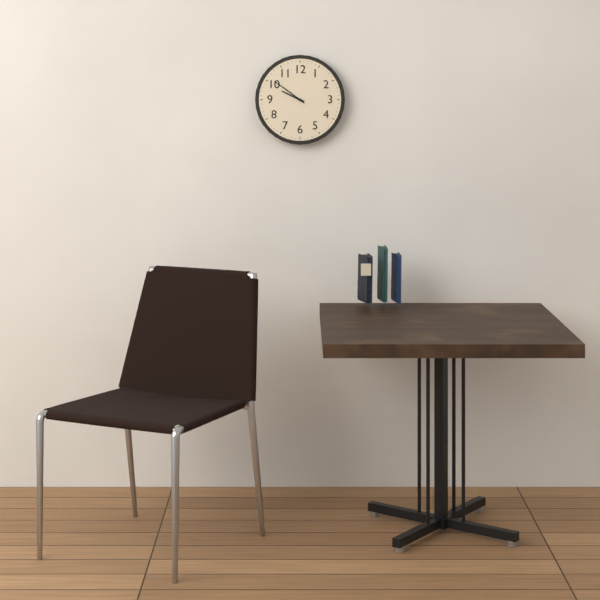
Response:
{"hour": 9, "minute": 51}
